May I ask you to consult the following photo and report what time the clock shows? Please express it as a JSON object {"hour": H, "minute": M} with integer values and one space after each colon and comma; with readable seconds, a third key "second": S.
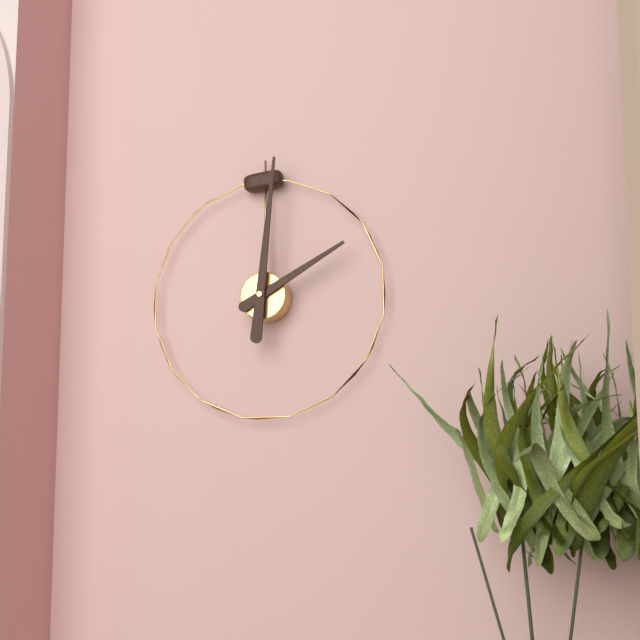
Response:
{"hour": 2, "minute": 1}
